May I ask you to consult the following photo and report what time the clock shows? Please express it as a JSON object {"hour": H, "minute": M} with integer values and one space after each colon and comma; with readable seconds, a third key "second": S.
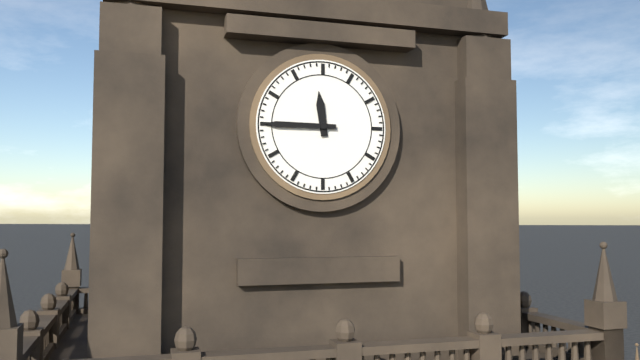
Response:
{"hour": 11, "minute": 45}
